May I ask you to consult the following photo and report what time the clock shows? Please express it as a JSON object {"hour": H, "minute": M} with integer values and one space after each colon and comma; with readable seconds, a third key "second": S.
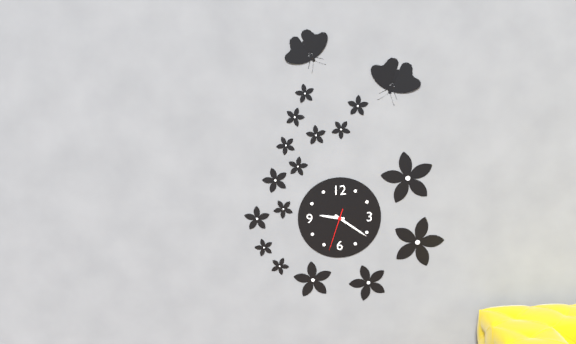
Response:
{"hour": 9, "minute": 21}
